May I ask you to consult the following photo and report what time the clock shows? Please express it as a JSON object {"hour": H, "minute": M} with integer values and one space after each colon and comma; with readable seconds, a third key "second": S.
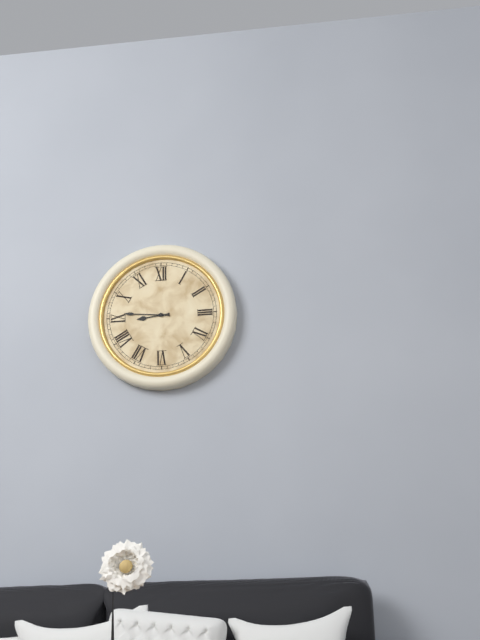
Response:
{"hour": 8, "minute": 46}
